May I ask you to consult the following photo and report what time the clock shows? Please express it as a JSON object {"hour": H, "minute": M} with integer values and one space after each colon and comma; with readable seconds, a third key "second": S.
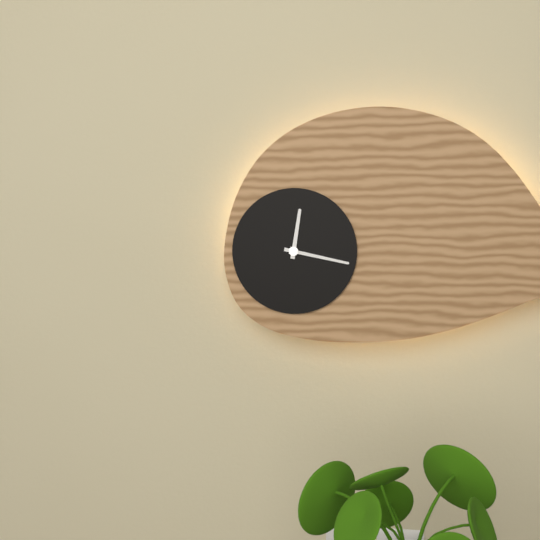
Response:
{"hour": 12, "minute": 17}
